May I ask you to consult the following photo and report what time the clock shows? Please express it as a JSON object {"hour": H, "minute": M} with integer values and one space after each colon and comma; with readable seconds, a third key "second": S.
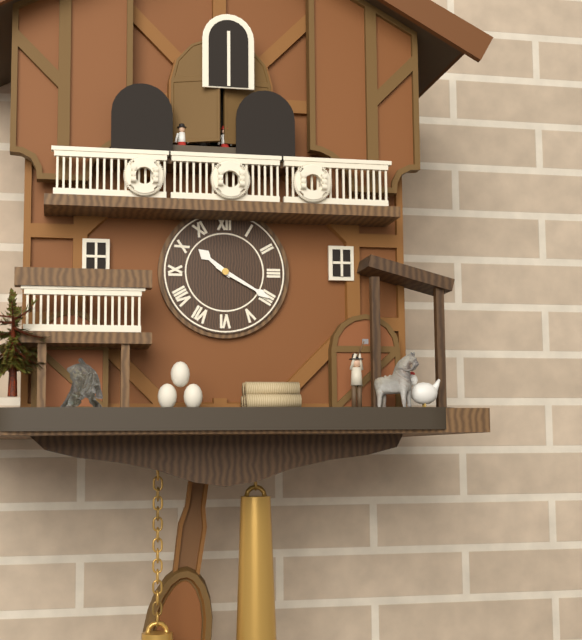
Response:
{"hour": 10, "minute": 20}
